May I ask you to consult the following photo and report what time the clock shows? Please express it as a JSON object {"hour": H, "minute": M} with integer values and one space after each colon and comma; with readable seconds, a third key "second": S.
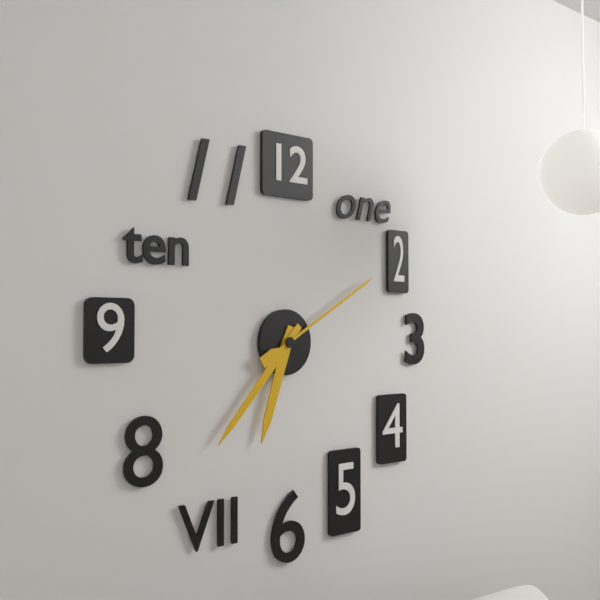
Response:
{"hour": 6, "minute": 37, "second": 10}
